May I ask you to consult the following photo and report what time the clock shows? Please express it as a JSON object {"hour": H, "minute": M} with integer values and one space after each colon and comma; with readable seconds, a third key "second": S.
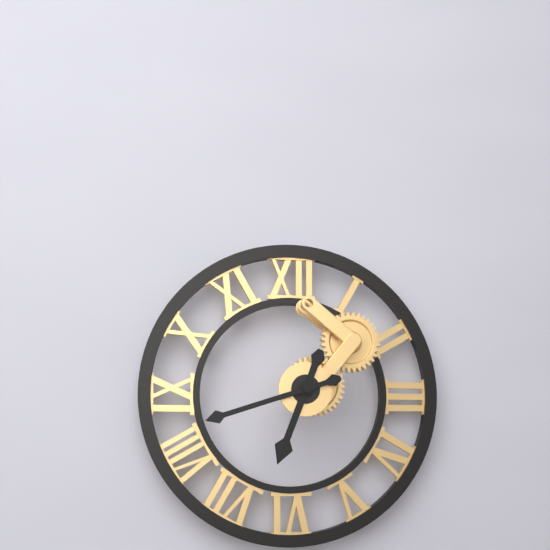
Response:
{"hour": 6, "minute": 42}
